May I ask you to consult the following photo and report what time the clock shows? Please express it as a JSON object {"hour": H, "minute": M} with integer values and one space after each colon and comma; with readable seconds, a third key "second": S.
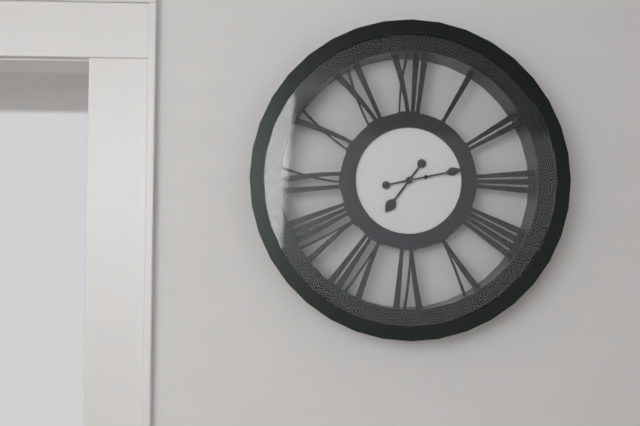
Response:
{"hour": 7, "minute": 13}
